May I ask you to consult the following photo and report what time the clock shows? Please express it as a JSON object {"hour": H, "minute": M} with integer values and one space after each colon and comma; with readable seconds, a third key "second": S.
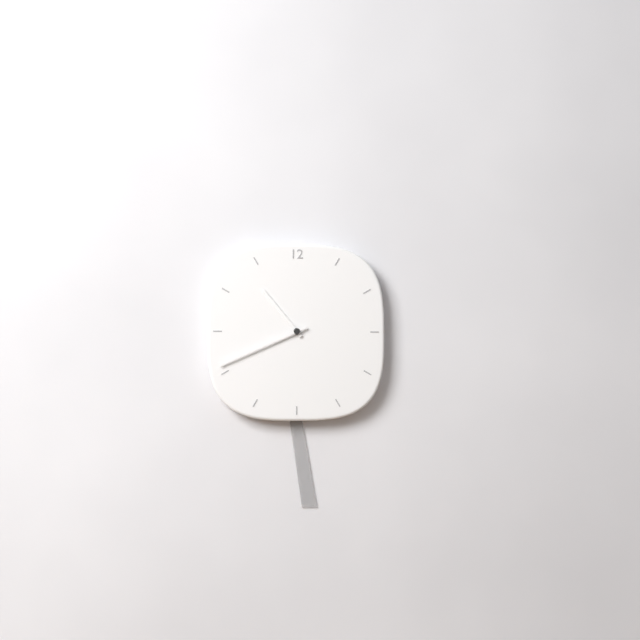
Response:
{"hour": 10, "minute": 41}
